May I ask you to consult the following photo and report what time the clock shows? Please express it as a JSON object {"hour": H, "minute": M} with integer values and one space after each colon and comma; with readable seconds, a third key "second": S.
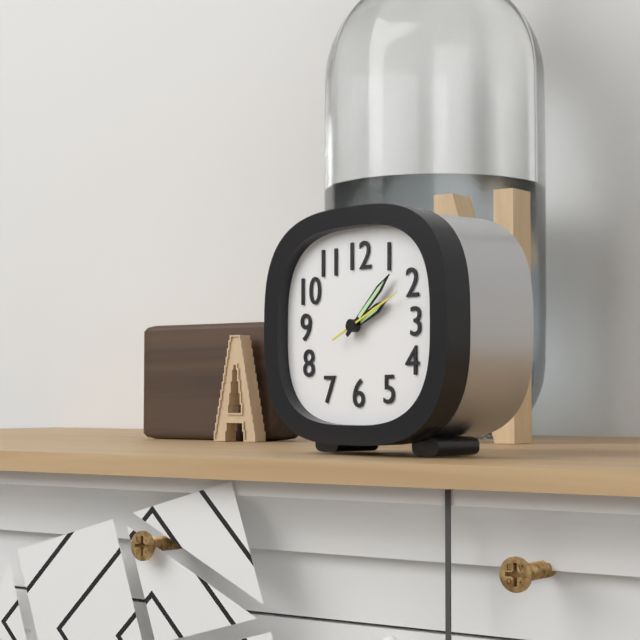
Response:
{"hour": 2, "minute": 8, "second": 11}
